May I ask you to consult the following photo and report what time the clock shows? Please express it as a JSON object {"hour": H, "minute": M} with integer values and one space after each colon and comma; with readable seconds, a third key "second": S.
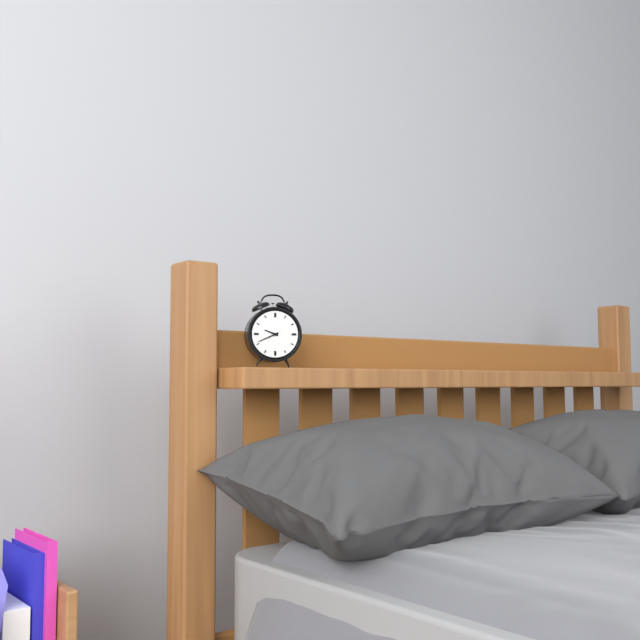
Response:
{"hour": 9, "minute": 41}
